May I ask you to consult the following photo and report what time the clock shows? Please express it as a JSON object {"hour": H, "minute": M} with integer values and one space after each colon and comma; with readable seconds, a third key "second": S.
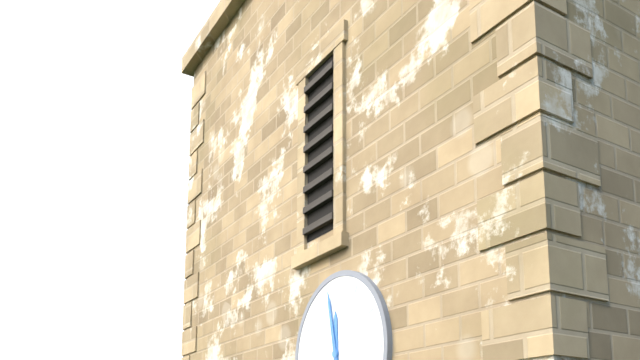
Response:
{"hour": 11, "minute": 58}
